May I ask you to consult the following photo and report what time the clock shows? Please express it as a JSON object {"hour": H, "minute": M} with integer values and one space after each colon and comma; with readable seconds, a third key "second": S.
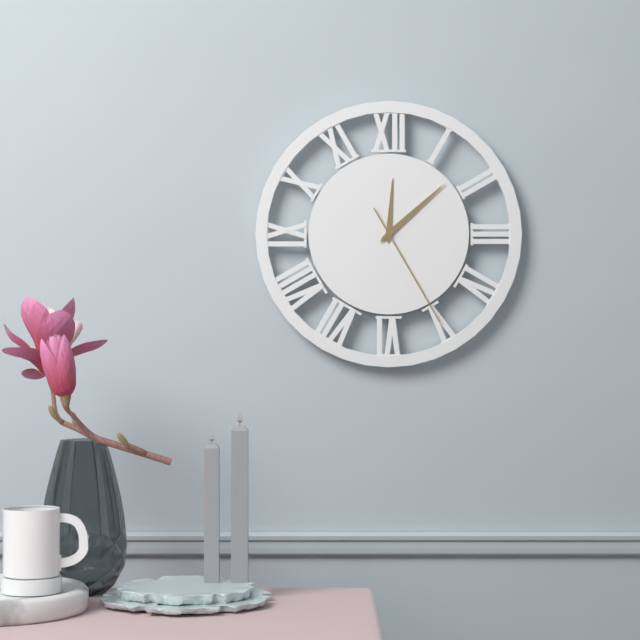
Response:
{"hour": 12, "minute": 8, "second": 25}
